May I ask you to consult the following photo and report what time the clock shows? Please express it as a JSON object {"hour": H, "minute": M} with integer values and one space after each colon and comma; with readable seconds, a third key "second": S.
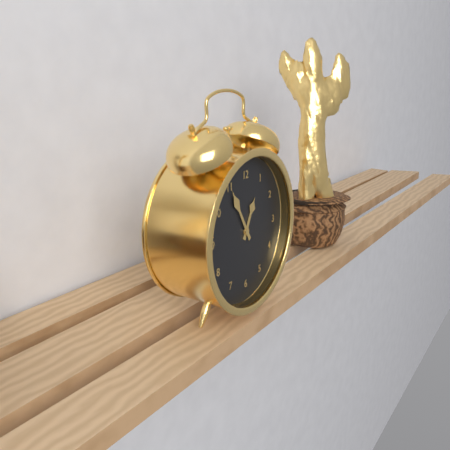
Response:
{"hour": 12, "minute": 55}
